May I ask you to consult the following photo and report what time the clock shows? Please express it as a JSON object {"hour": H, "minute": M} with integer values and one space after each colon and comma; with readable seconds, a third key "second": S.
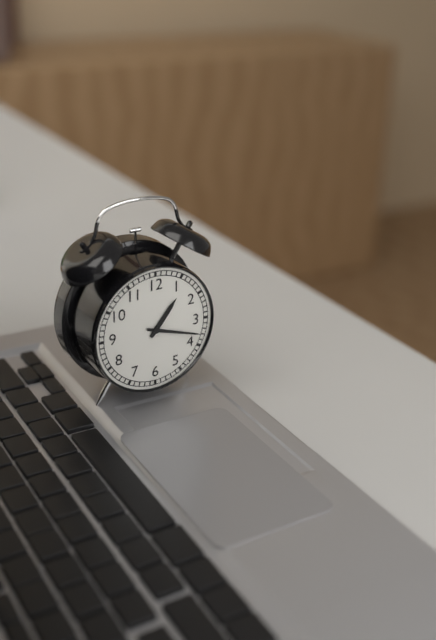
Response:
{"hour": 1, "minute": 18}
